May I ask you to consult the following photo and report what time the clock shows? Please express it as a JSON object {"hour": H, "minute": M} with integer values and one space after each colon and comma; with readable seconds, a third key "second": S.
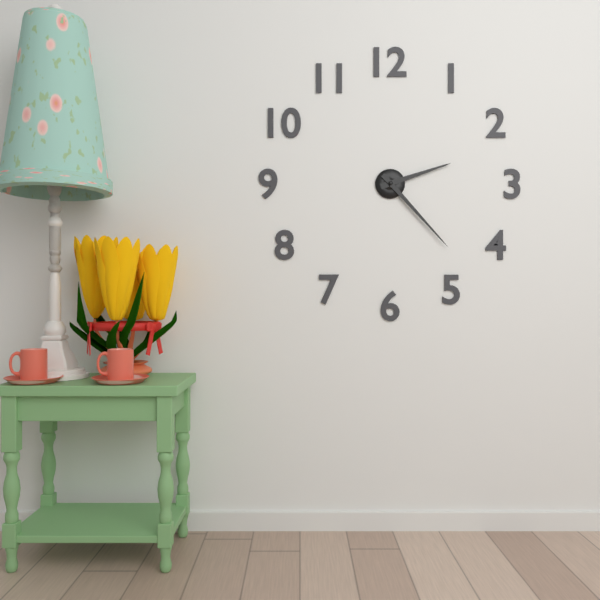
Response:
{"hour": 2, "minute": 23}
